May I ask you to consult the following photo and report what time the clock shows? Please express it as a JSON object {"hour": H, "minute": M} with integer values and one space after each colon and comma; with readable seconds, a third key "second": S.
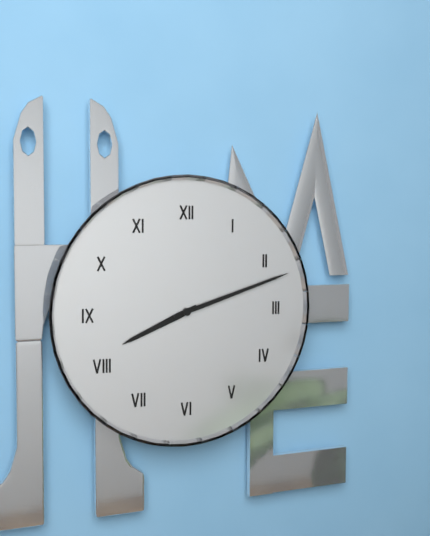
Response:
{"hour": 8, "minute": 12}
